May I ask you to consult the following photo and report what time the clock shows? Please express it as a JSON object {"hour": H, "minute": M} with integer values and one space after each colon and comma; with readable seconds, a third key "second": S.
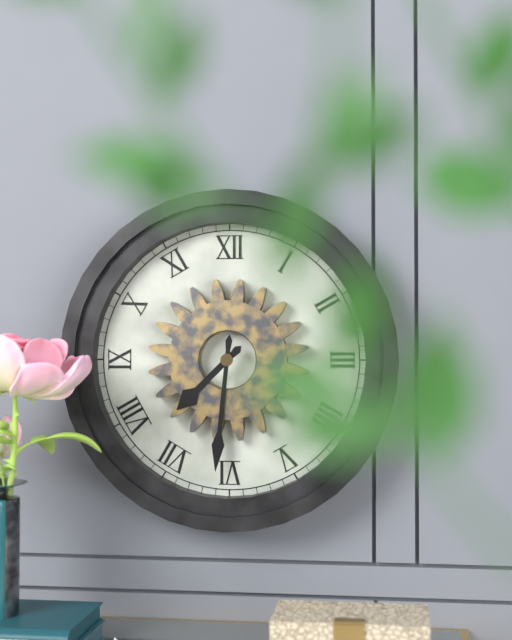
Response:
{"hour": 7, "minute": 31}
